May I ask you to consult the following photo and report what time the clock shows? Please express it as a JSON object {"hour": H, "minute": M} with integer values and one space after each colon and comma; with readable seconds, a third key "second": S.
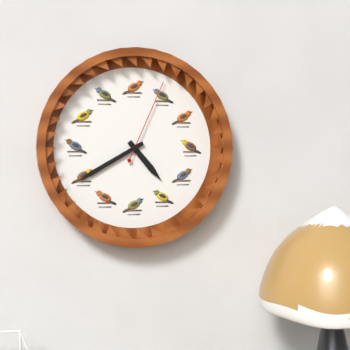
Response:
{"hour": 4, "minute": 40, "second": 4}
